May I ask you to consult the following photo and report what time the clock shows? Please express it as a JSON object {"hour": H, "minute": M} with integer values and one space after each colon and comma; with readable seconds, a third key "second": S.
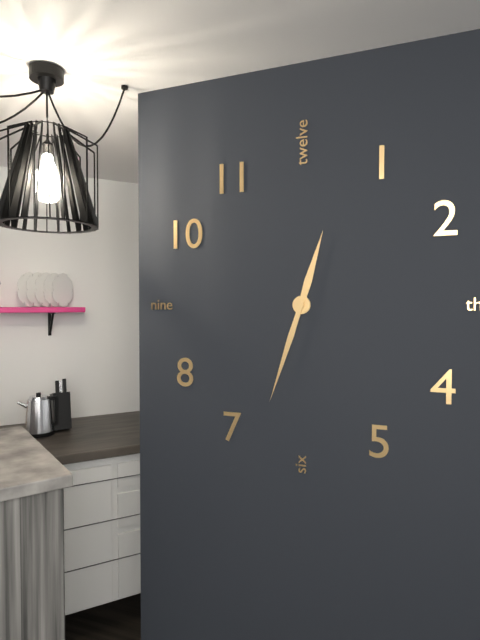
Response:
{"hour": 12, "minute": 33}
